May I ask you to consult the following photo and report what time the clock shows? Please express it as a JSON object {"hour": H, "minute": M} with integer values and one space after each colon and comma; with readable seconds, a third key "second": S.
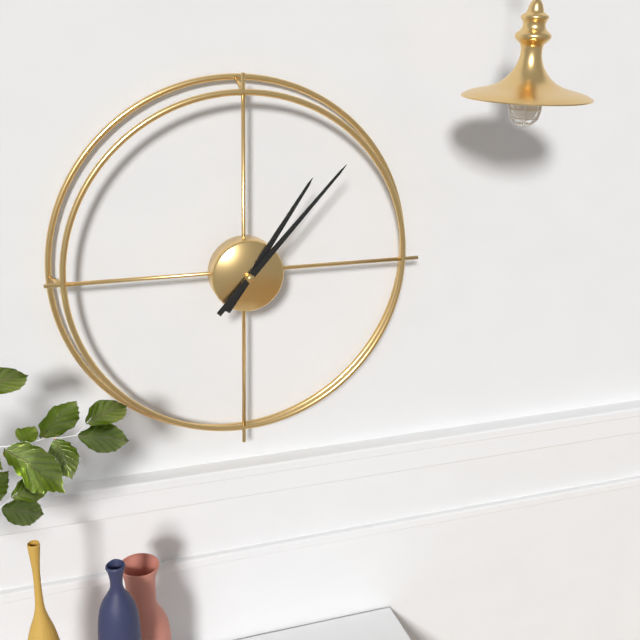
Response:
{"hour": 1, "minute": 7}
